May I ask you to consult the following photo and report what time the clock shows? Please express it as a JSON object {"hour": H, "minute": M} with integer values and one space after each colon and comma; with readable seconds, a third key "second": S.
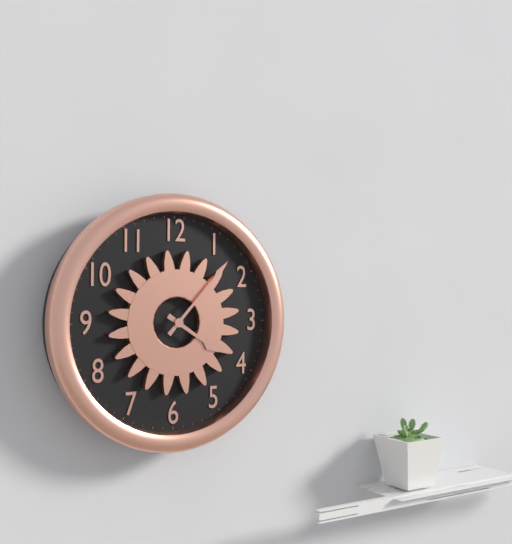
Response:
{"hour": 4, "minute": 7}
